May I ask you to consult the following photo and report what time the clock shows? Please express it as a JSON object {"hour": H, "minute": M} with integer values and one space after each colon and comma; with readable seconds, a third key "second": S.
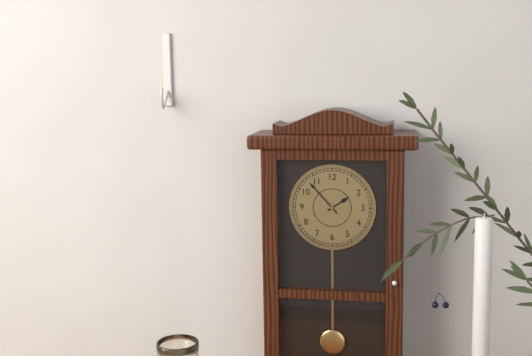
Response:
{"hour": 1, "minute": 53}
